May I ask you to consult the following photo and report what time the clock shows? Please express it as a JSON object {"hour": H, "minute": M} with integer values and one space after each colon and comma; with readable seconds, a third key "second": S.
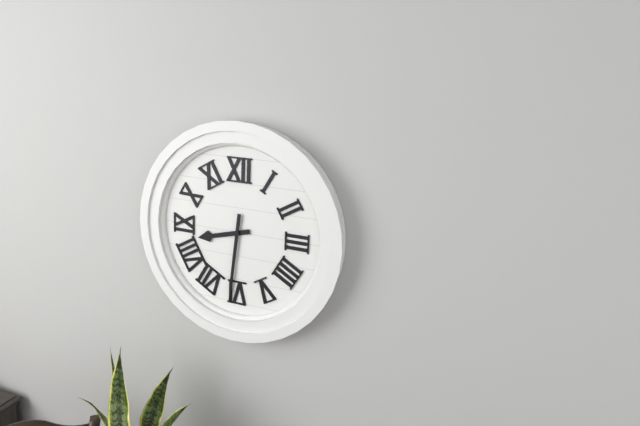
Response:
{"hour": 8, "minute": 31}
